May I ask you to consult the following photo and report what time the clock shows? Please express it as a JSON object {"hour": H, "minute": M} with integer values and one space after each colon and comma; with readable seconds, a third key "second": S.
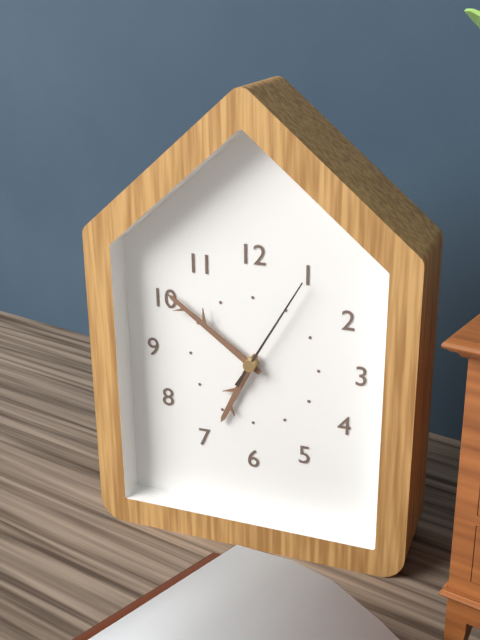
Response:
{"hour": 6, "minute": 51, "second": 5}
